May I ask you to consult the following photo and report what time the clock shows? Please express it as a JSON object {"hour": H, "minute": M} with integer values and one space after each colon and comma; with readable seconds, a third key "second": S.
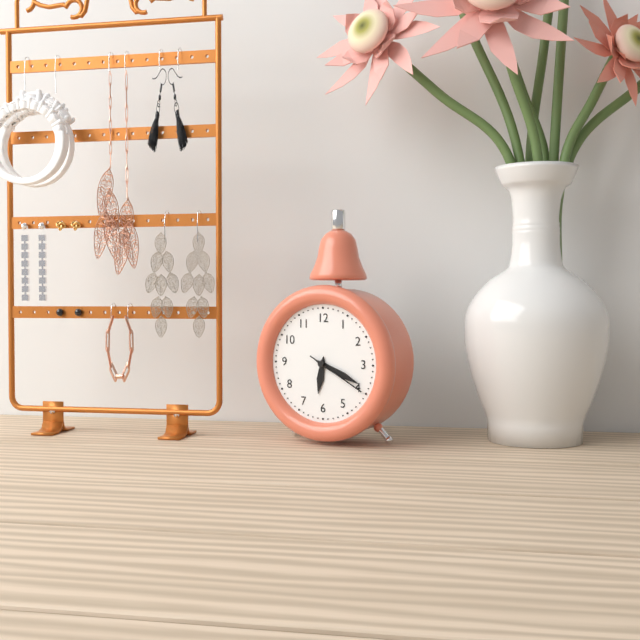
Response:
{"hour": 6, "minute": 19, "second": 20}
